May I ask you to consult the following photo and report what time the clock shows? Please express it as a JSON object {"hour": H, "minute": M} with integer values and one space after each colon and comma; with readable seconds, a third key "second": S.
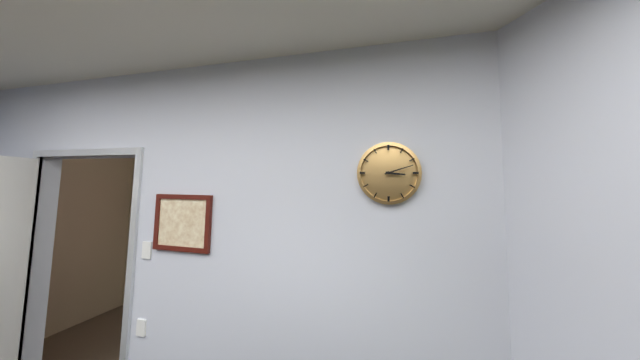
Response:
{"hour": 3, "minute": 12}
